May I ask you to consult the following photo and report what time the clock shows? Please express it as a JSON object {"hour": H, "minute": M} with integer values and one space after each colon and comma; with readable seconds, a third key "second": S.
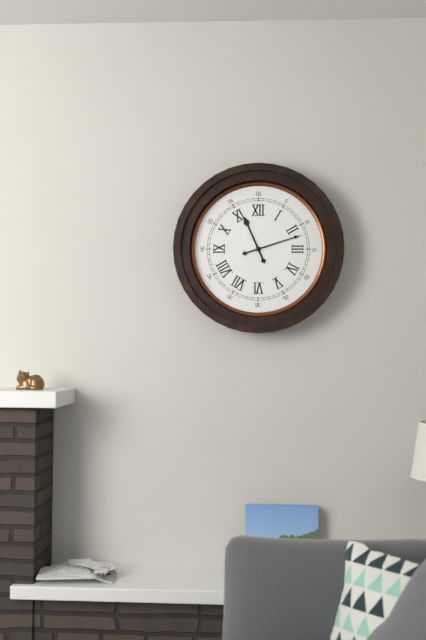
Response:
{"hour": 11, "minute": 12}
